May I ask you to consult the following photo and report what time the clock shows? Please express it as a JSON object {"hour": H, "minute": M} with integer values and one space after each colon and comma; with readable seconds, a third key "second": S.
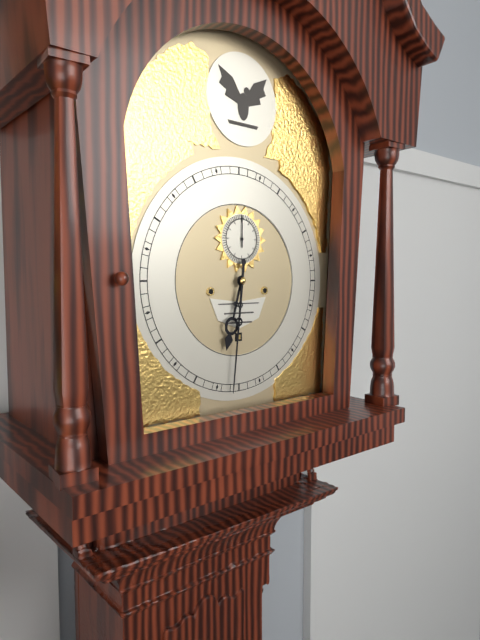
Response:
{"hour": 6, "minute": 31}
